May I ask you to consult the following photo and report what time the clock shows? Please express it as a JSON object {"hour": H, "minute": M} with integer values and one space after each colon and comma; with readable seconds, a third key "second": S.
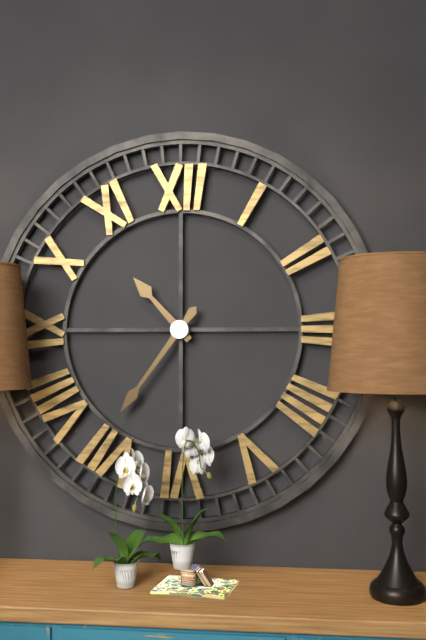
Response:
{"hour": 10, "minute": 36}
